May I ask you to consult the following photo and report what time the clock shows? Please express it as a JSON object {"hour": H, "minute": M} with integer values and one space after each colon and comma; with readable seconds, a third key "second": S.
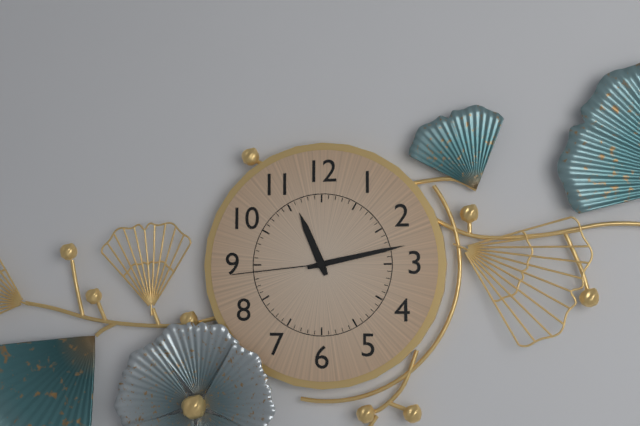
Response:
{"hour": 11, "minute": 13, "second": 44}
